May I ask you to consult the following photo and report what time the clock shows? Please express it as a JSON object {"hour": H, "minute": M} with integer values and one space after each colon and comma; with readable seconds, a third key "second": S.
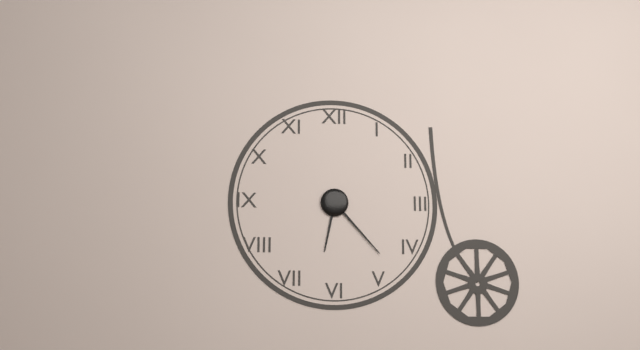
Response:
{"hour": 6, "minute": 23}
